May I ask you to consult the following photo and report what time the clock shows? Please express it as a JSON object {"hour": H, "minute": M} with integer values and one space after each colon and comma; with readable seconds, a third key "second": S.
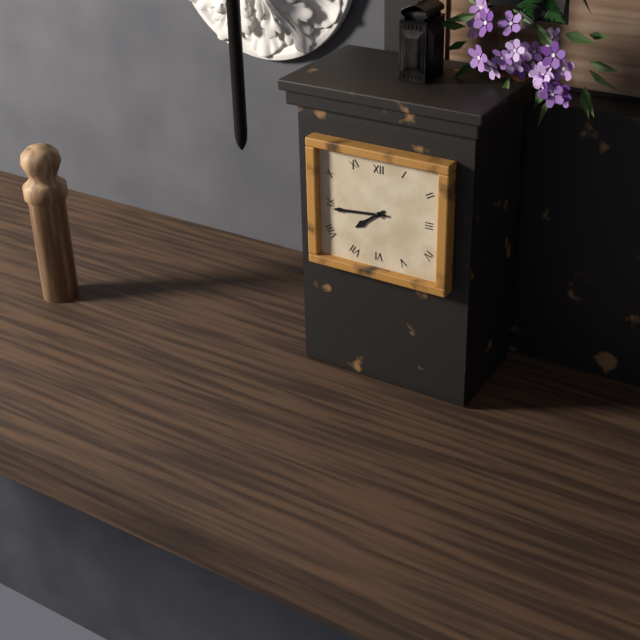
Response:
{"hour": 7, "minute": 44}
